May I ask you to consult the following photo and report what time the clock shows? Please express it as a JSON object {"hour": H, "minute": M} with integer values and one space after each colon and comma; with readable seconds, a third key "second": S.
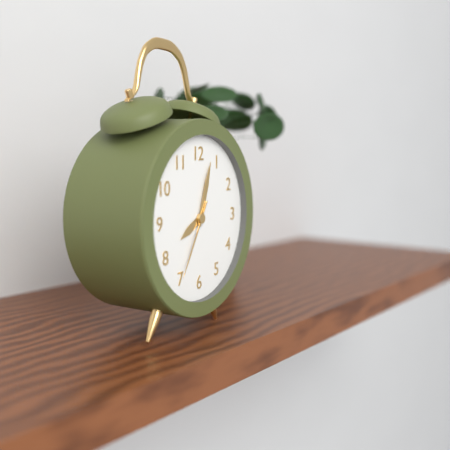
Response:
{"hour": 8, "minute": 3, "second": 35}
